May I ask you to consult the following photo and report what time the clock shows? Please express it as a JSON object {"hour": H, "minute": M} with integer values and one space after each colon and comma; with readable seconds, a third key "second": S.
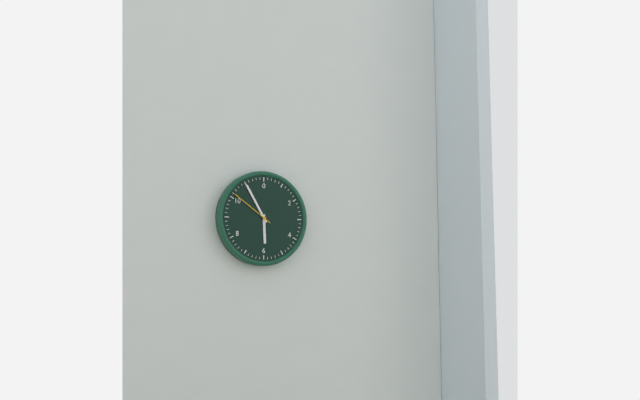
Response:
{"hour": 5, "minute": 55}
